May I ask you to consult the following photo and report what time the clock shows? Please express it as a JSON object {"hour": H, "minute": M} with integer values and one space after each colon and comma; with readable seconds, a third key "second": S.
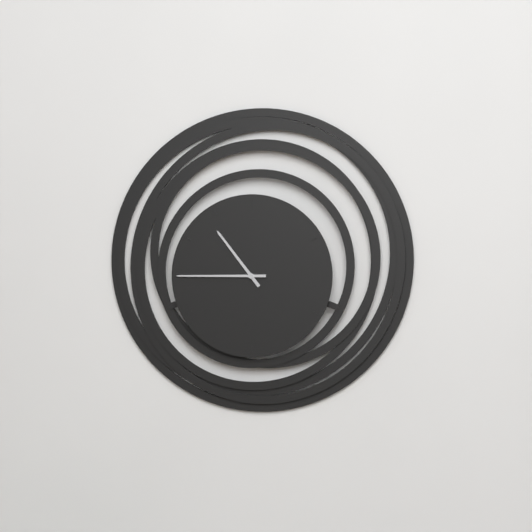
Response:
{"hour": 10, "minute": 45}
